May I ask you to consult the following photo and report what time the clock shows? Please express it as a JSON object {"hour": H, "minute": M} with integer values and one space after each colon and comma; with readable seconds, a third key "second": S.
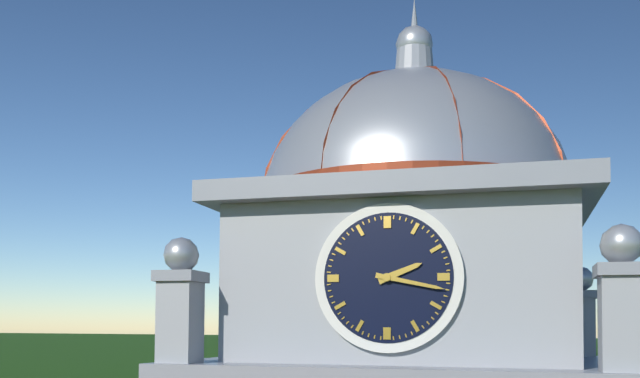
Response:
{"hour": 2, "minute": 17}
